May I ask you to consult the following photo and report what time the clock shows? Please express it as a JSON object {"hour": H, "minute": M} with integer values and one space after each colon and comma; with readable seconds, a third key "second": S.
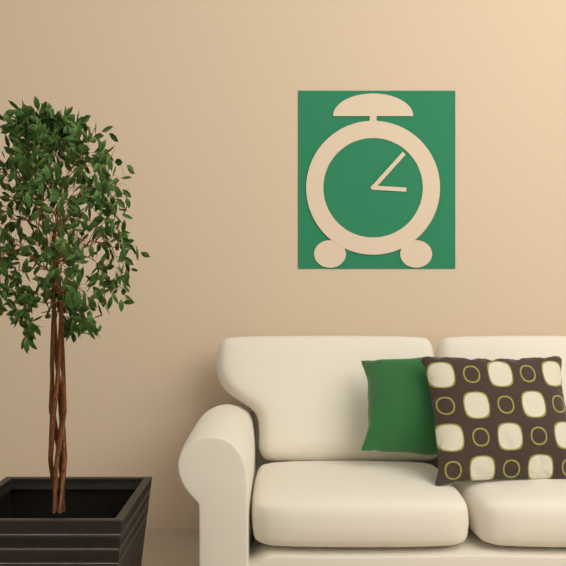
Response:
{"hour": 3, "minute": 7}
